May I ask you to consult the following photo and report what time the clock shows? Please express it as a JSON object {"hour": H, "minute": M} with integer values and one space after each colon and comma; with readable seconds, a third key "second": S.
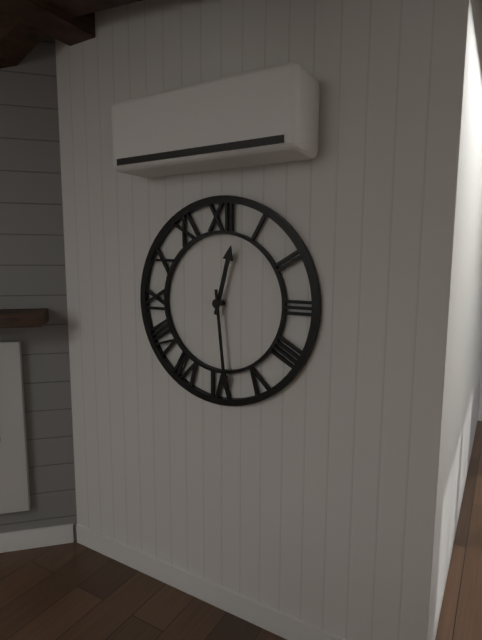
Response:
{"hour": 12, "minute": 29}
